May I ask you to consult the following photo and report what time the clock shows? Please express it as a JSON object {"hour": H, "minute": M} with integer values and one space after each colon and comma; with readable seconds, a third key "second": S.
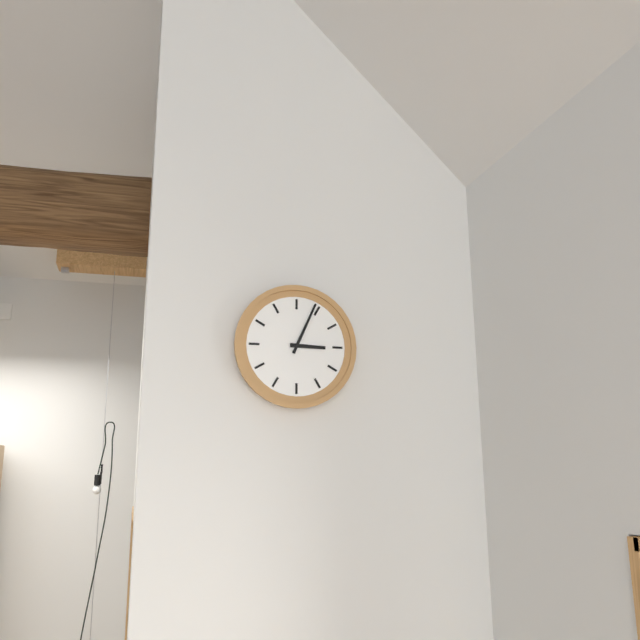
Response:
{"hour": 3, "minute": 4}
